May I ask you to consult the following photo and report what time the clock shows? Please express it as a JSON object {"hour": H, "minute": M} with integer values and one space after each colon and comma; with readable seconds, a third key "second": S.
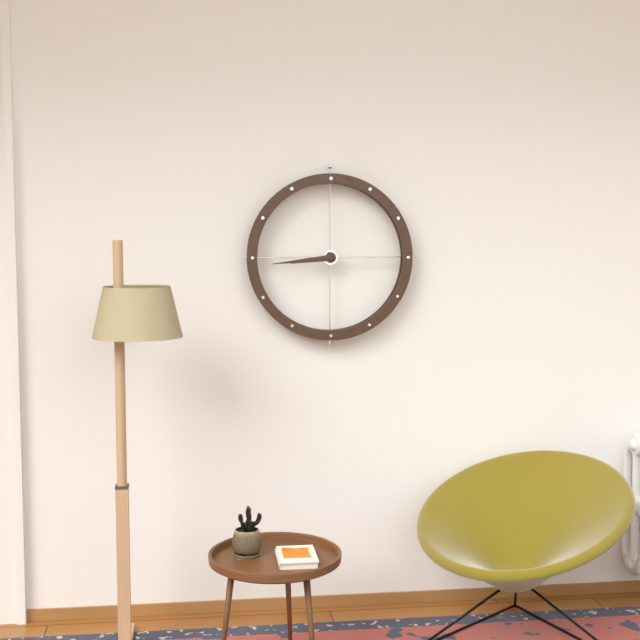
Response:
{"hour": 8, "minute": 44}
